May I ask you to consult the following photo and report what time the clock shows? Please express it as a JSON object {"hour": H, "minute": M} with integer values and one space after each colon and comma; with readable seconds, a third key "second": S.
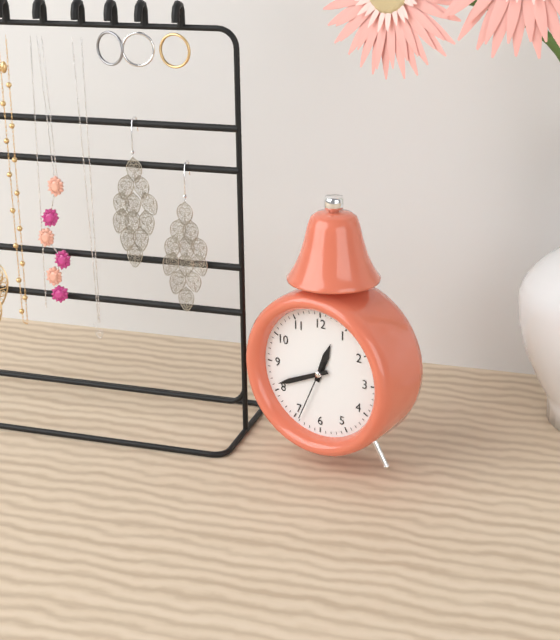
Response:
{"hour": 12, "minute": 41, "second": 34}
